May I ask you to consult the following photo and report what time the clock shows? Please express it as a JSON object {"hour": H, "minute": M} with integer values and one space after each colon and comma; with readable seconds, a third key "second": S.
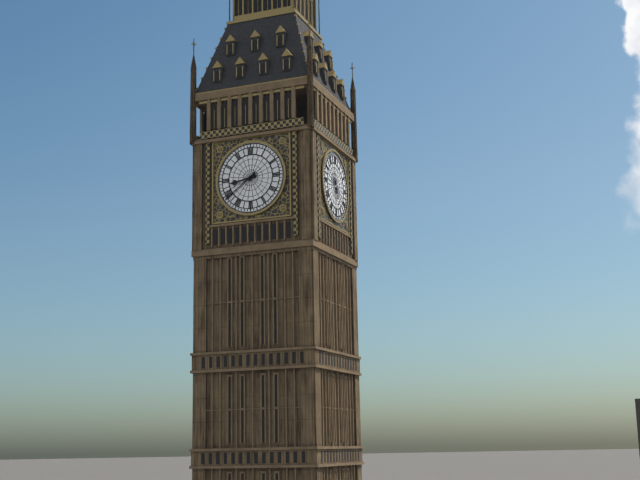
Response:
{"hour": 8, "minute": 39}
